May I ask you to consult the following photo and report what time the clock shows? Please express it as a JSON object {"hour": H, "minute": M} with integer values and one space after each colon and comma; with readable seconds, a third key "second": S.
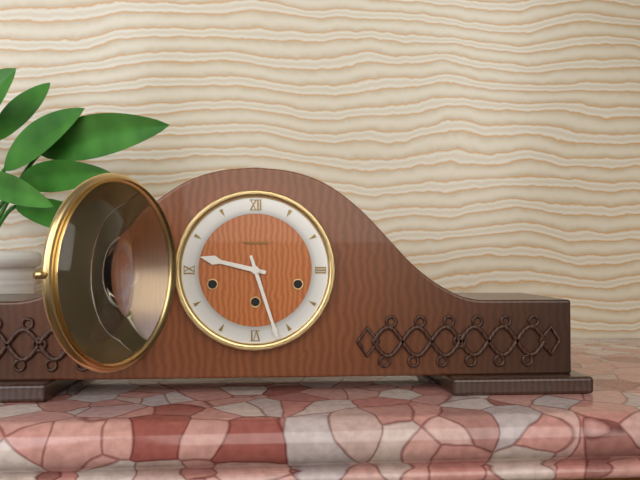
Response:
{"hour": 9, "minute": 27}
